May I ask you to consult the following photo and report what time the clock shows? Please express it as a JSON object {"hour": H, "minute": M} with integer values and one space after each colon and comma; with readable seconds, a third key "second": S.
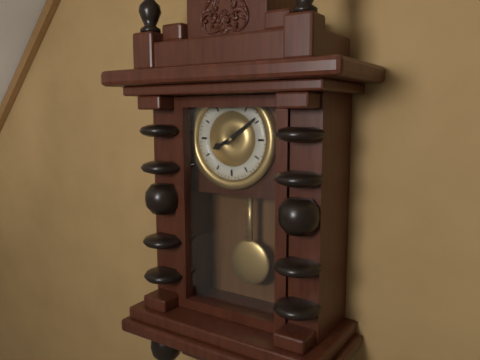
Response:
{"hour": 8, "minute": 9}
